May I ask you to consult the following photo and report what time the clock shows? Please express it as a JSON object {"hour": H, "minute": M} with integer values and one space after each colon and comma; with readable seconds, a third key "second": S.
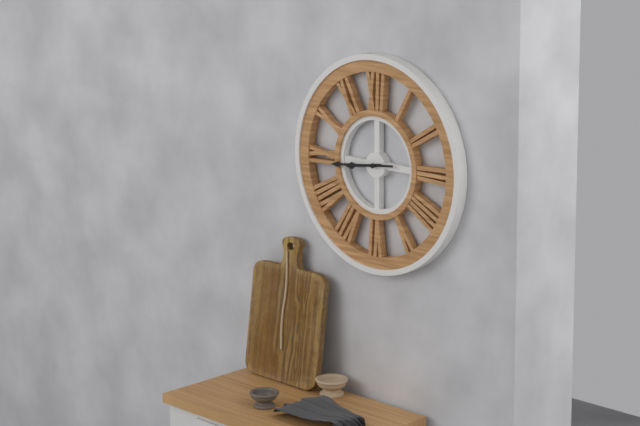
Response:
{"hour": 8, "minute": 44}
